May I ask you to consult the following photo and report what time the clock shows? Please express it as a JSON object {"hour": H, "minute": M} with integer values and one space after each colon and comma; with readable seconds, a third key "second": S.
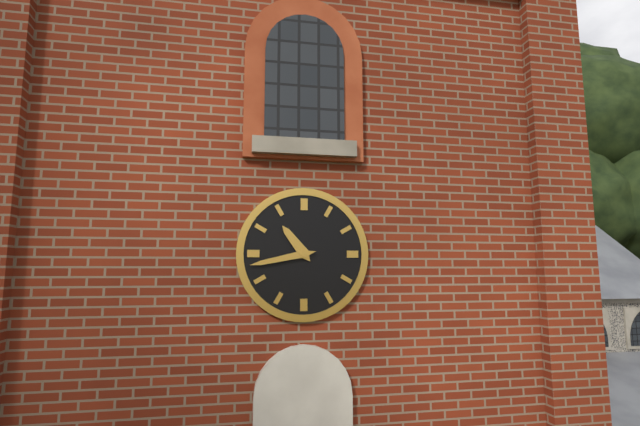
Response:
{"hour": 10, "minute": 43}
